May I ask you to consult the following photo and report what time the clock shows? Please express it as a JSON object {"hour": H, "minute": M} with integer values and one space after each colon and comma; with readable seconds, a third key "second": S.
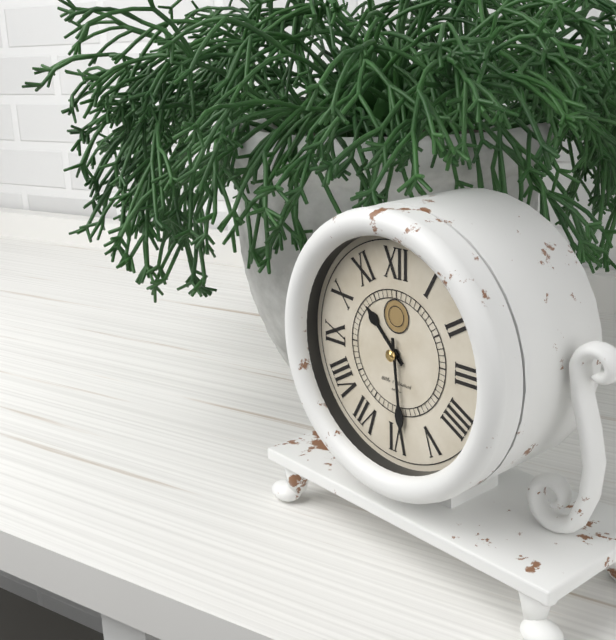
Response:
{"hour": 10, "minute": 29}
